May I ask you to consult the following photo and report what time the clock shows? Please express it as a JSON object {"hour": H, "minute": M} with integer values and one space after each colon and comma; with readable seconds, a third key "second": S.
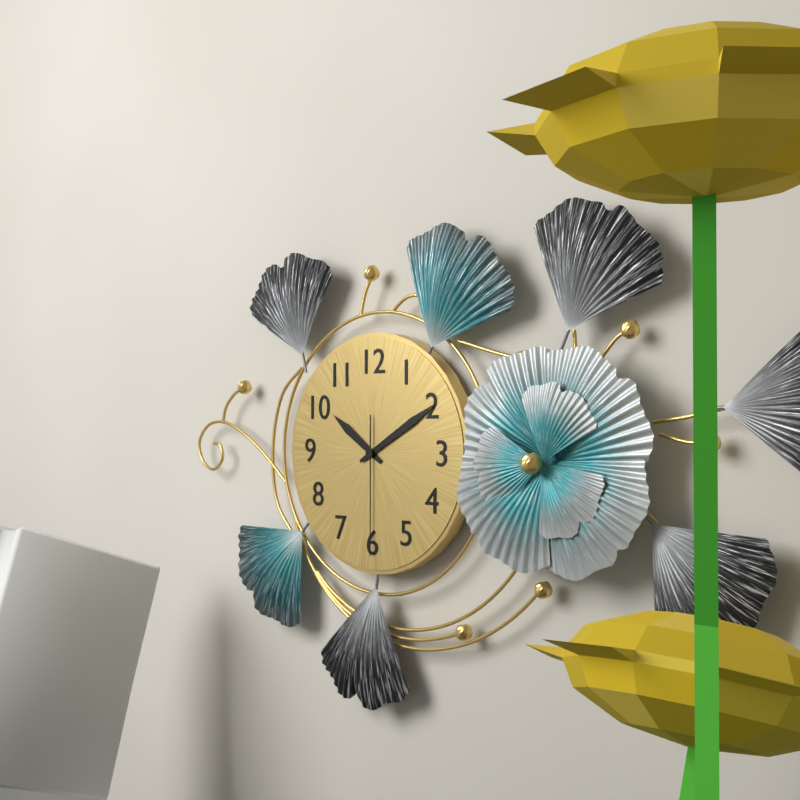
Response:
{"hour": 10, "minute": 10, "second": 30}
